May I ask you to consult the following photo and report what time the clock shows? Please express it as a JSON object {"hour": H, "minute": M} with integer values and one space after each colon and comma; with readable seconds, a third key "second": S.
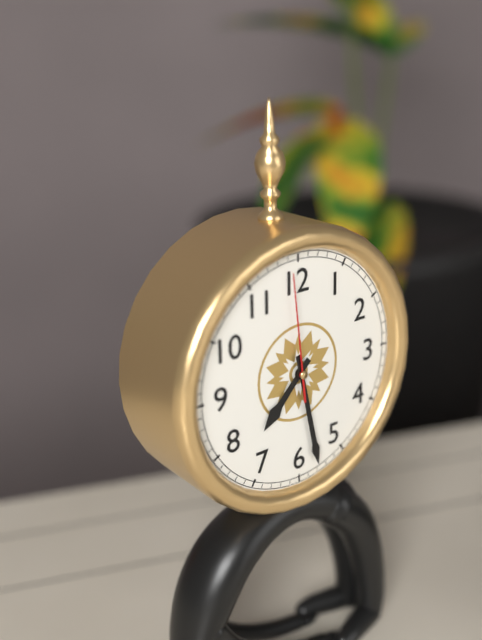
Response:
{"hour": 7, "minute": 28, "second": 59}
